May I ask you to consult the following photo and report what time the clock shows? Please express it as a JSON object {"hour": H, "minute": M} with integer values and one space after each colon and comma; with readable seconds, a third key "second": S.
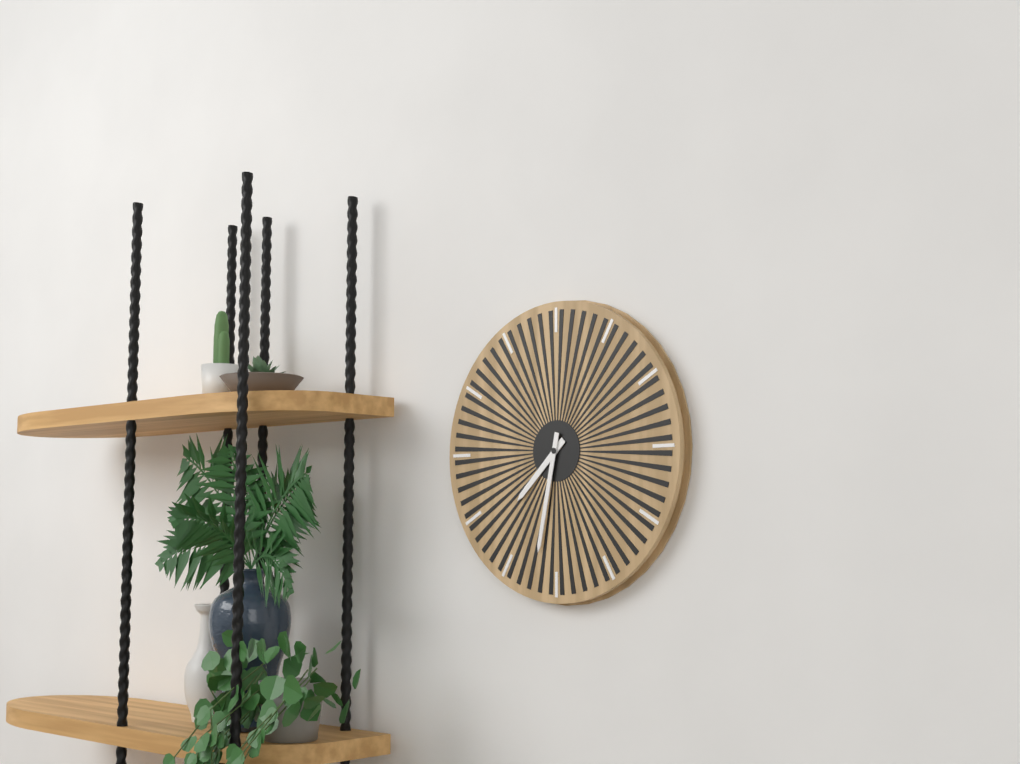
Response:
{"hour": 7, "minute": 32}
